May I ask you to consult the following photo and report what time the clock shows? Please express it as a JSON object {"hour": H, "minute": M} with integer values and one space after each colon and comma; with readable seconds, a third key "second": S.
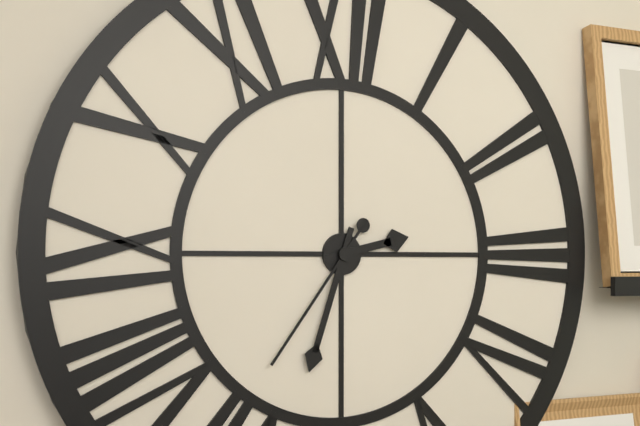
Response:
{"hour": 2, "minute": 33, "second": 36}
